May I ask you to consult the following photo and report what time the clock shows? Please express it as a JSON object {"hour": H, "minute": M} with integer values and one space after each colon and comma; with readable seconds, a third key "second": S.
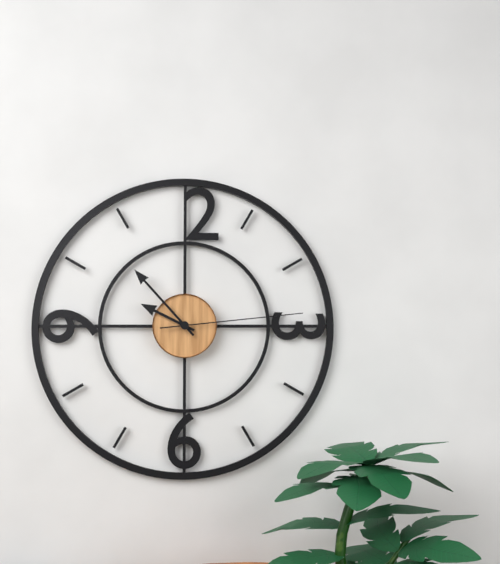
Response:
{"hour": 9, "minute": 53, "second": 14}
